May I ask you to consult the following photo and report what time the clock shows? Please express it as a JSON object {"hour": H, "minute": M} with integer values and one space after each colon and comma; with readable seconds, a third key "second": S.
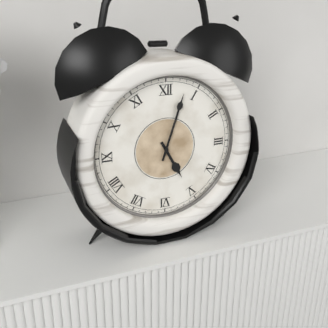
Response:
{"hour": 5, "minute": 3}
